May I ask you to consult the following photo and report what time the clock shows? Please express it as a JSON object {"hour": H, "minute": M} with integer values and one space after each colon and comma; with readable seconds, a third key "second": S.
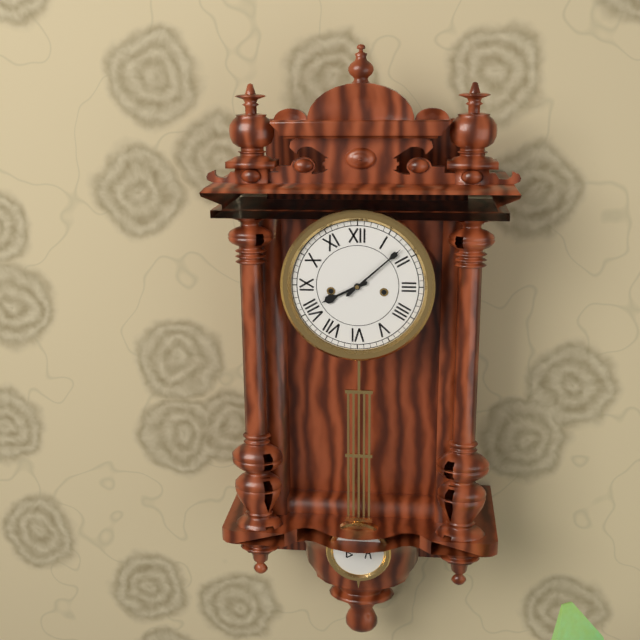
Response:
{"hour": 8, "minute": 8}
